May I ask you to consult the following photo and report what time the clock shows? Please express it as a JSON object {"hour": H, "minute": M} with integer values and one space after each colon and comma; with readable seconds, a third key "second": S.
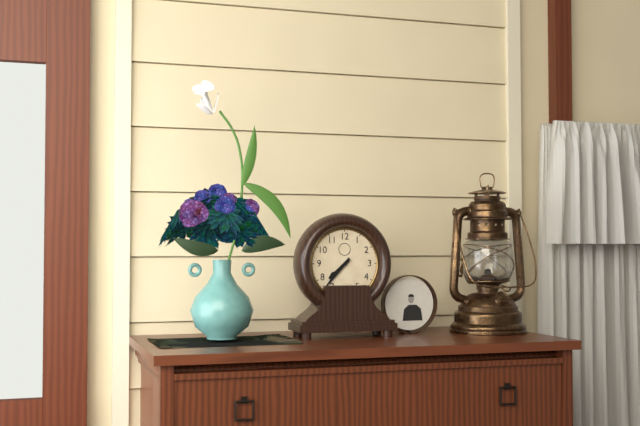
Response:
{"hour": 7, "minute": 37}
